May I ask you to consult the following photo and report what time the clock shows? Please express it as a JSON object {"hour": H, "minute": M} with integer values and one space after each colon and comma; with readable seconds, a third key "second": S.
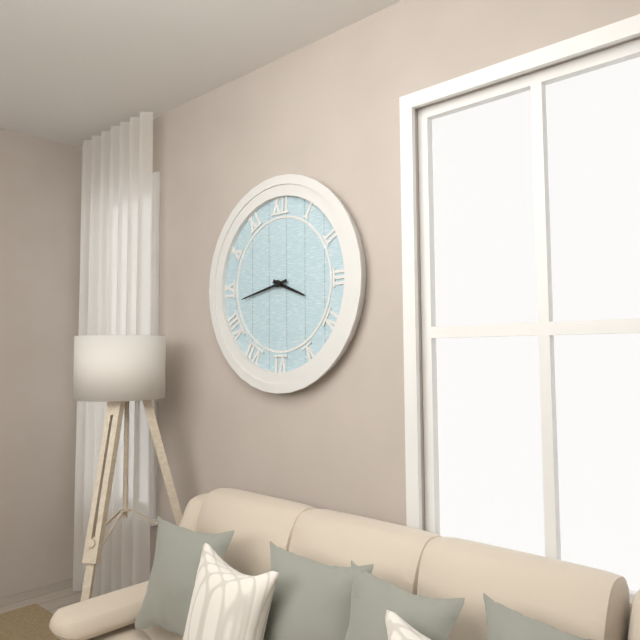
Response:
{"hour": 3, "minute": 43}
